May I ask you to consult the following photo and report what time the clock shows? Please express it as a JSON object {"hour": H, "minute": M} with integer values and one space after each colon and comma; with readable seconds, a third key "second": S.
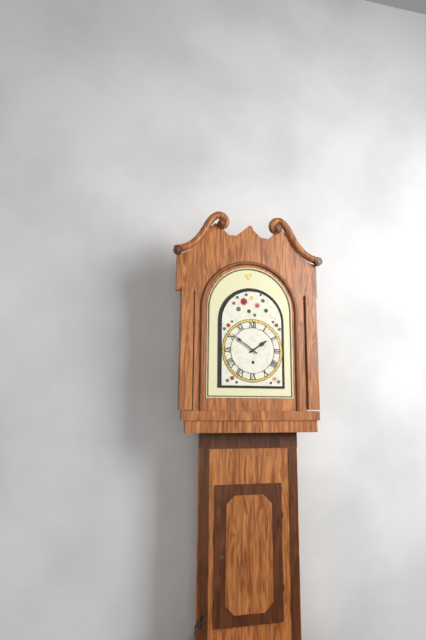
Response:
{"hour": 1, "minute": 51}
